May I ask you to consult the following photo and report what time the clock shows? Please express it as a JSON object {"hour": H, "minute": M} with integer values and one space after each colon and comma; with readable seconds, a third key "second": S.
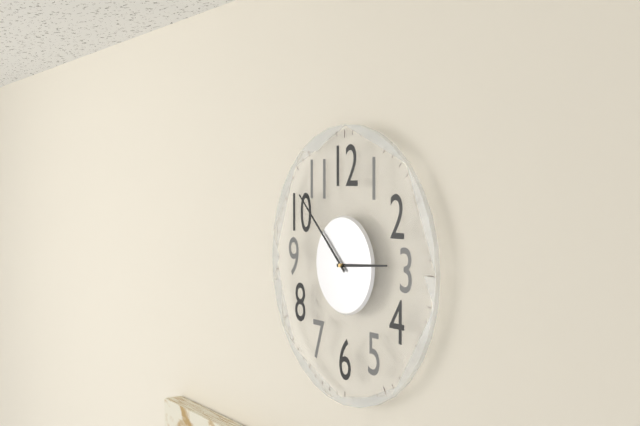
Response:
{"hour": 2, "minute": 52}
